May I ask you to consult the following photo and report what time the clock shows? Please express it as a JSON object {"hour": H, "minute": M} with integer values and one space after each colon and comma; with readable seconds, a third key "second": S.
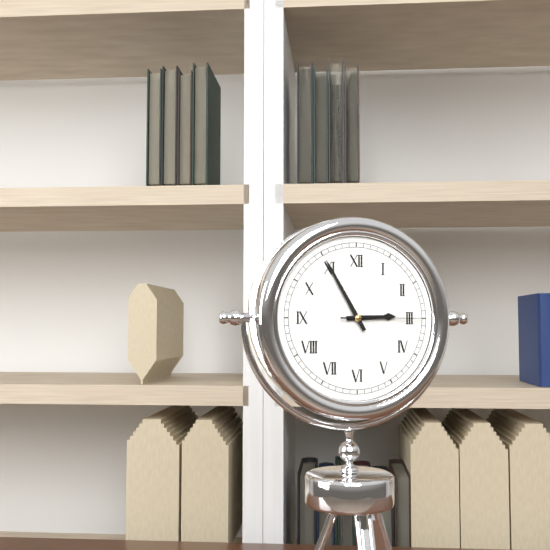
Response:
{"hour": 2, "minute": 55, "second": 15}
